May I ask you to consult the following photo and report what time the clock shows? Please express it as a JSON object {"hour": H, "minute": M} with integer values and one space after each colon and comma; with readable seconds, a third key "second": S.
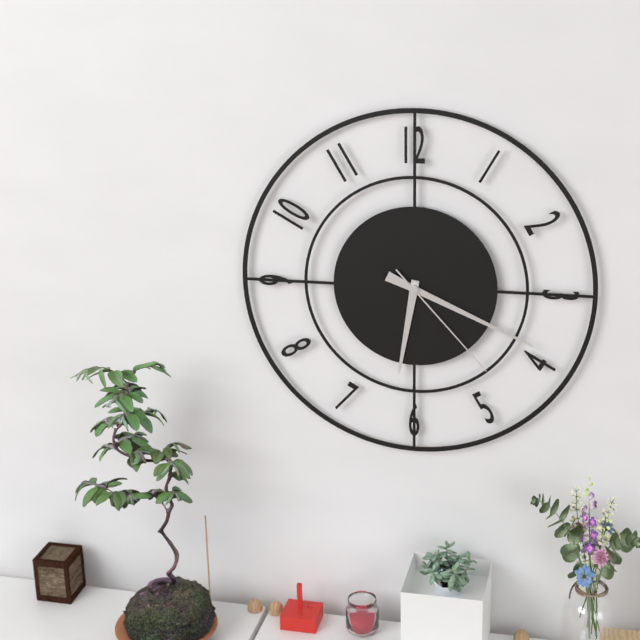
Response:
{"hour": 6, "minute": 19, "second": 23}
